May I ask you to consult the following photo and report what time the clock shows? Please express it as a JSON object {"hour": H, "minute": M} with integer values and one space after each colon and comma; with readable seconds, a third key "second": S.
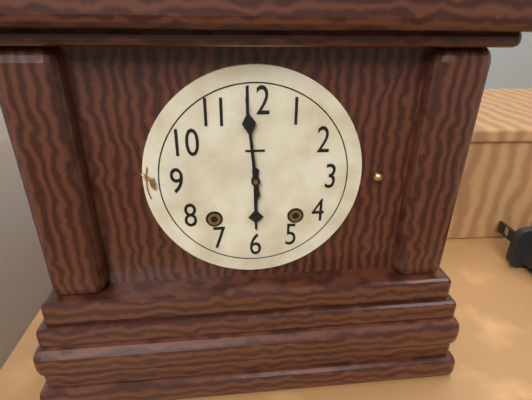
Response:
{"hour": 5, "minute": 59}
